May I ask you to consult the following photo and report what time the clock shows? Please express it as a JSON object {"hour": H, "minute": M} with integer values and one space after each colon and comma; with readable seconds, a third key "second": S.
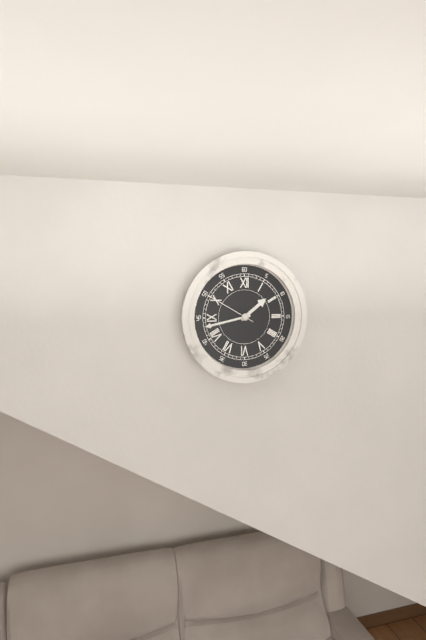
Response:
{"hour": 1, "minute": 43, "second": 50}
